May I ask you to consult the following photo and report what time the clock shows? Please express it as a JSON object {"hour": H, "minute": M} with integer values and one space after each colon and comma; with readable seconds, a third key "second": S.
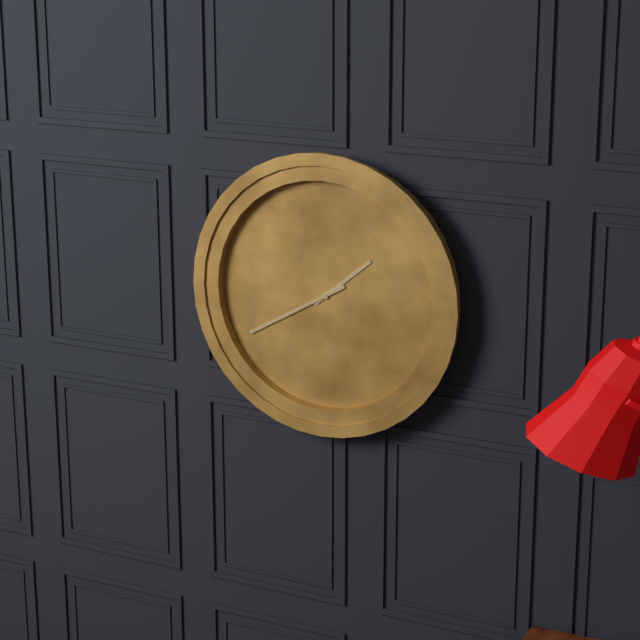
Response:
{"hour": 1, "minute": 40}
